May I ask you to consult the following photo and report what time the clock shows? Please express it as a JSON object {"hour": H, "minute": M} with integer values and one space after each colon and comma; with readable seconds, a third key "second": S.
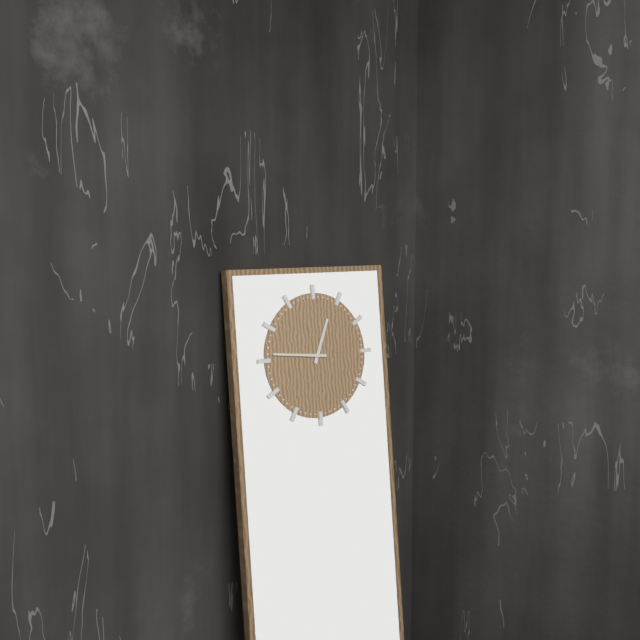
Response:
{"hour": 12, "minute": 46}
